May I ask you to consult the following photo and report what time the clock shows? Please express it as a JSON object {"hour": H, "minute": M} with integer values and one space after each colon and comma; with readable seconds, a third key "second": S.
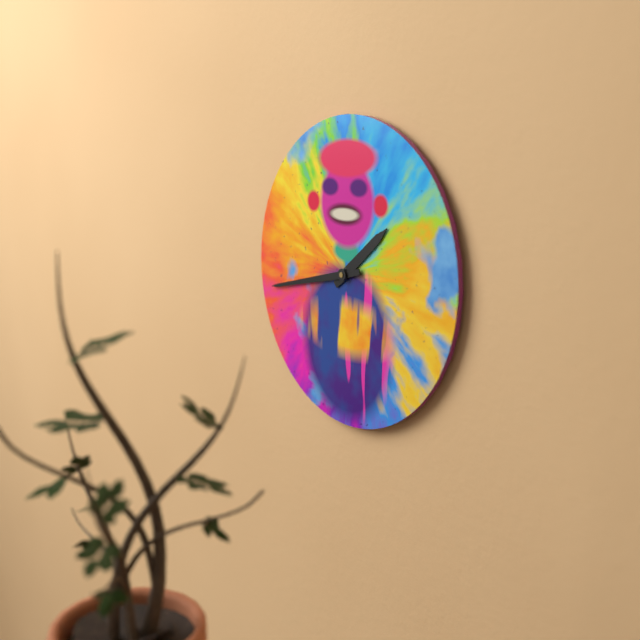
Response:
{"hour": 1, "minute": 43}
